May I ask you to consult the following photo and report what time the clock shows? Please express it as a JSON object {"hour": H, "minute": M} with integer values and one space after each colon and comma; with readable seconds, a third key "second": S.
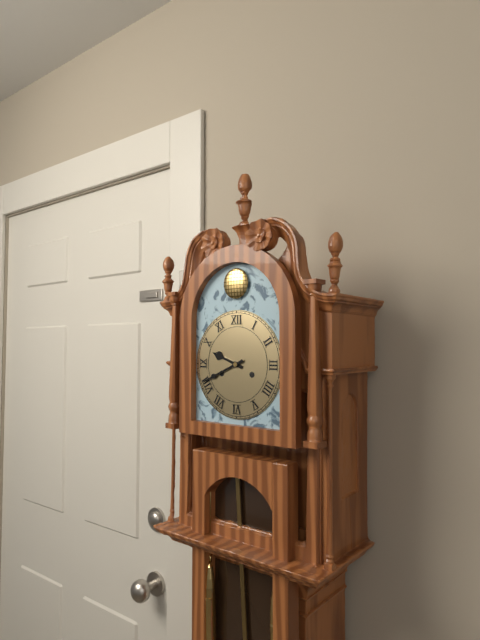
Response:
{"hour": 9, "minute": 41}
